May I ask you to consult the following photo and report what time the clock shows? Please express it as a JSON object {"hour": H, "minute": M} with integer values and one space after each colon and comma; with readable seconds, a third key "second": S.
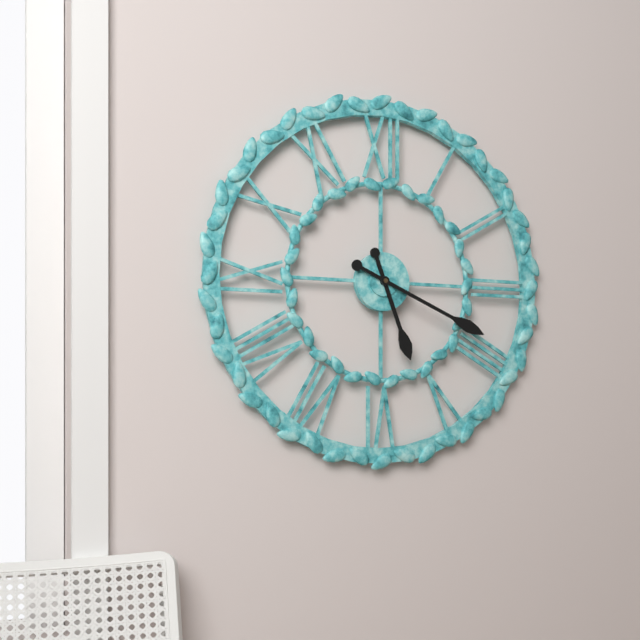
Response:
{"hour": 5, "minute": 19}
